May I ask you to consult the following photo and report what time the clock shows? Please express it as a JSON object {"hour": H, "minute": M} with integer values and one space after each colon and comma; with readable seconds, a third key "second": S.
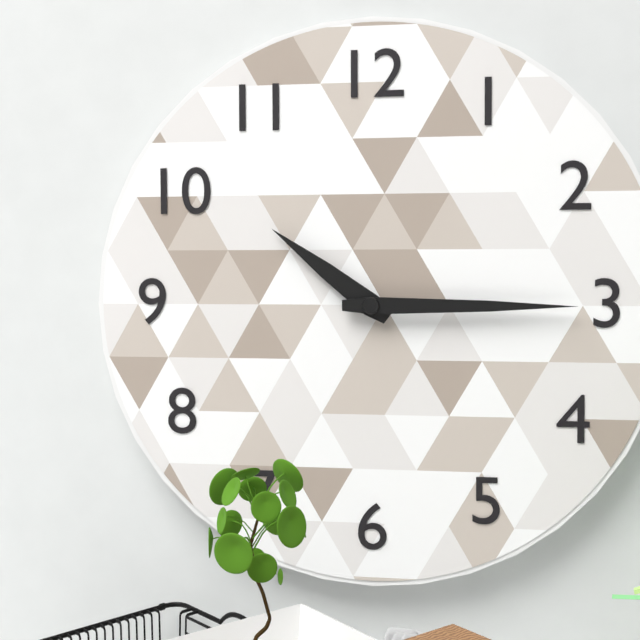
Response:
{"hour": 10, "minute": 15}
